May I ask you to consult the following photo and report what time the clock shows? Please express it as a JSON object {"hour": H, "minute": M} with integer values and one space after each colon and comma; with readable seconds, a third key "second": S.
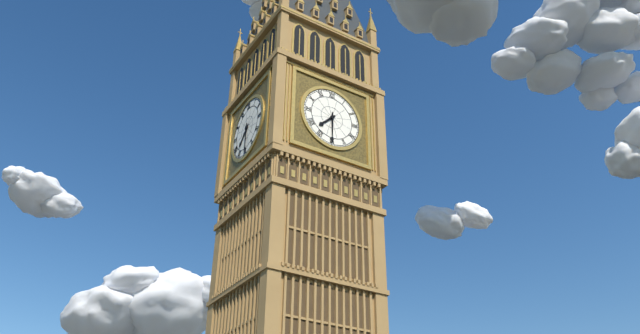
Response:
{"hour": 7, "minute": 30}
